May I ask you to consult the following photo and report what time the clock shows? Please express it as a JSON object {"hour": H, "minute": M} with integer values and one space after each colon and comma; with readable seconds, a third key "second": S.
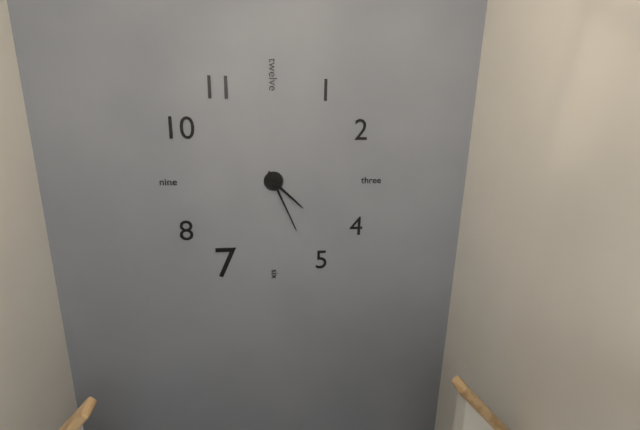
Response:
{"hour": 4, "minute": 26}
